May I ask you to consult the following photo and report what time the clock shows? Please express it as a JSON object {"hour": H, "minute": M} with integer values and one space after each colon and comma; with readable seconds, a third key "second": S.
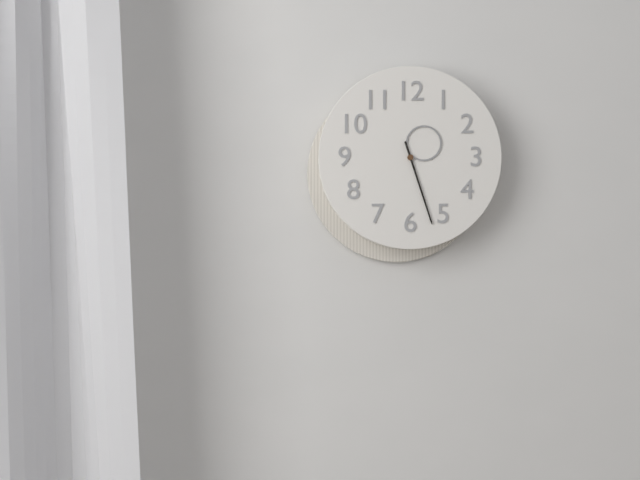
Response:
{"hour": 1, "minute": 27}
